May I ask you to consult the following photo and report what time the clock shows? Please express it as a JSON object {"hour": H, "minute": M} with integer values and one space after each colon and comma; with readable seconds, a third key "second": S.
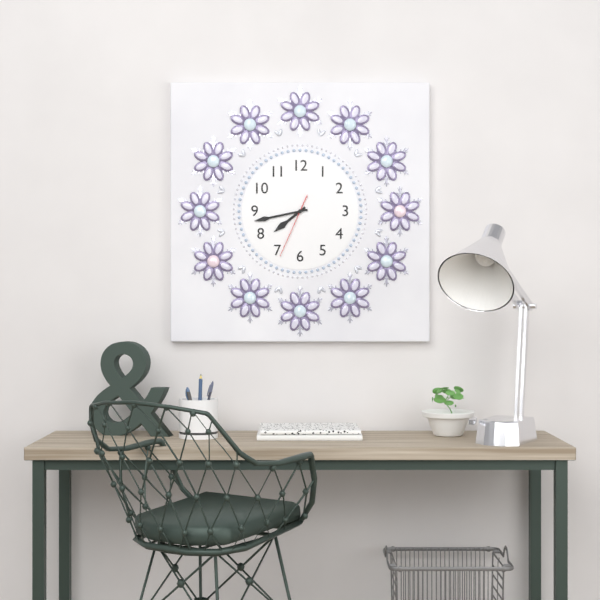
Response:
{"hour": 7, "minute": 43, "second": 34}
